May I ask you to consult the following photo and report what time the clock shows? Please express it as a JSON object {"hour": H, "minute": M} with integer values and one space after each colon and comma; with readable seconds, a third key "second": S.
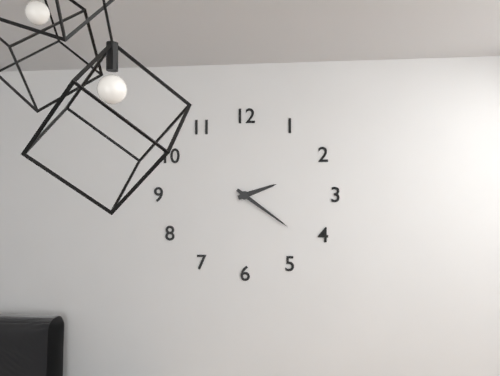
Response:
{"hour": 2, "minute": 21}
